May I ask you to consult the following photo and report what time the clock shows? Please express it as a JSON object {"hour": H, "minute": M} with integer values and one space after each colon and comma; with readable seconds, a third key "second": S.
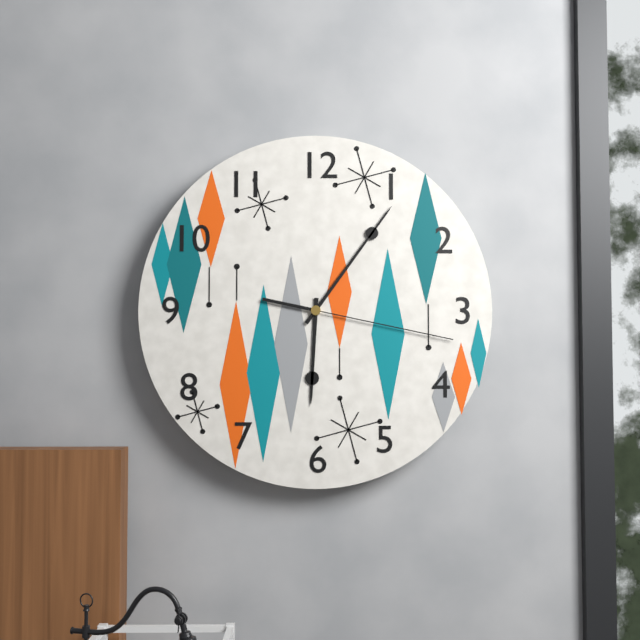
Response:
{"hour": 6, "minute": 6, "second": 17}
